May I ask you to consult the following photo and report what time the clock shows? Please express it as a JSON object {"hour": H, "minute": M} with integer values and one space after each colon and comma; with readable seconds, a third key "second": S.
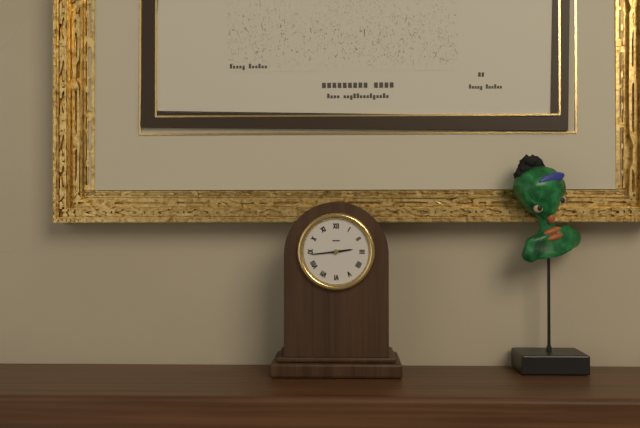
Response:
{"hour": 2, "minute": 44}
